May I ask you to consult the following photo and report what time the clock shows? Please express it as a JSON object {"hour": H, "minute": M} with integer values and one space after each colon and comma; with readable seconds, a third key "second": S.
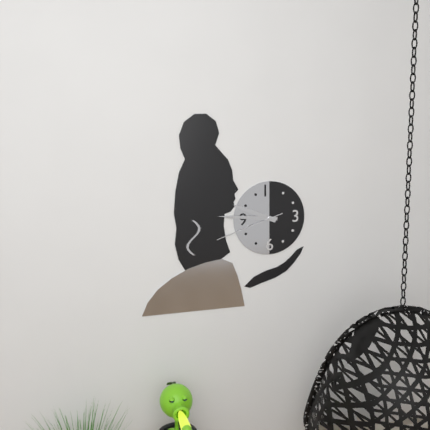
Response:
{"hour": 9, "minute": 46, "second": 42}
